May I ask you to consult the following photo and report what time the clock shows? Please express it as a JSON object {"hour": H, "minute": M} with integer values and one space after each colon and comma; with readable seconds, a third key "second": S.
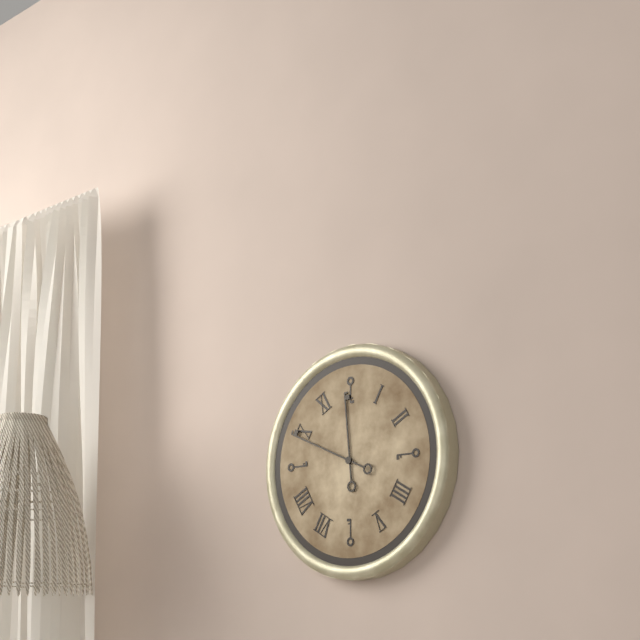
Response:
{"hour": 11, "minute": 49}
